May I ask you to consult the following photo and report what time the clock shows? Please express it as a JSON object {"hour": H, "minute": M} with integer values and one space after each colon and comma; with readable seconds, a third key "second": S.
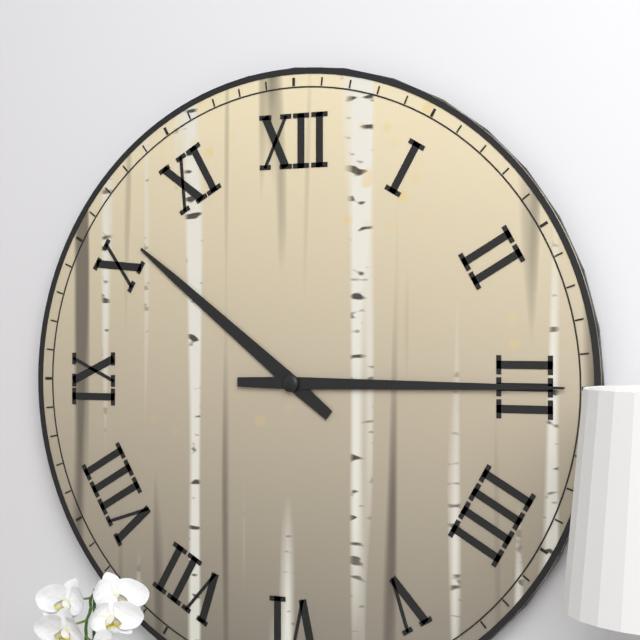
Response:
{"hour": 10, "minute": 15}
